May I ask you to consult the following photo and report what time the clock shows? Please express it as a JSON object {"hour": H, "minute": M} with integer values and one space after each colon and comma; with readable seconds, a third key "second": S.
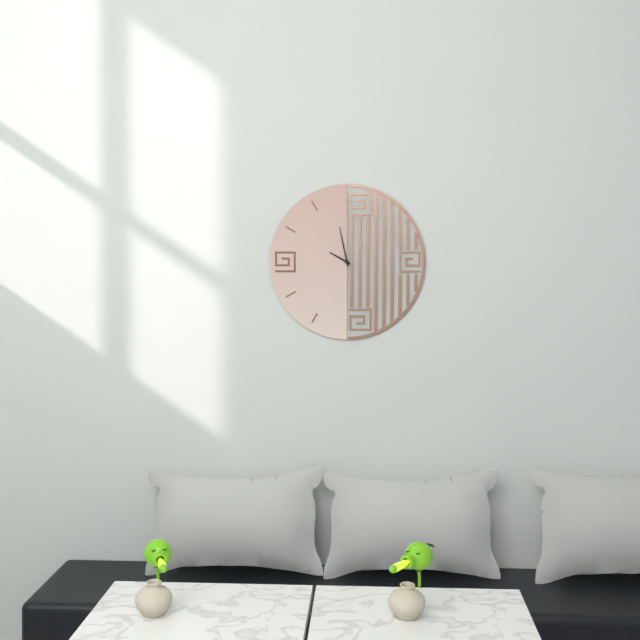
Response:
{"hour": 9, "minute": 58}
